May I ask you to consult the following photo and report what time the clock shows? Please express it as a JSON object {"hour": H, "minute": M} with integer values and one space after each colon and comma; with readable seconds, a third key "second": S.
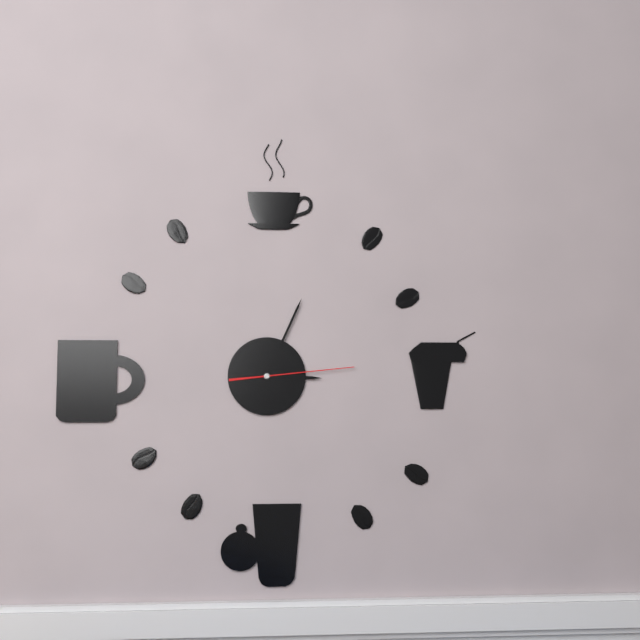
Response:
{"hour": 3, "minute": 4, "second": 14}
